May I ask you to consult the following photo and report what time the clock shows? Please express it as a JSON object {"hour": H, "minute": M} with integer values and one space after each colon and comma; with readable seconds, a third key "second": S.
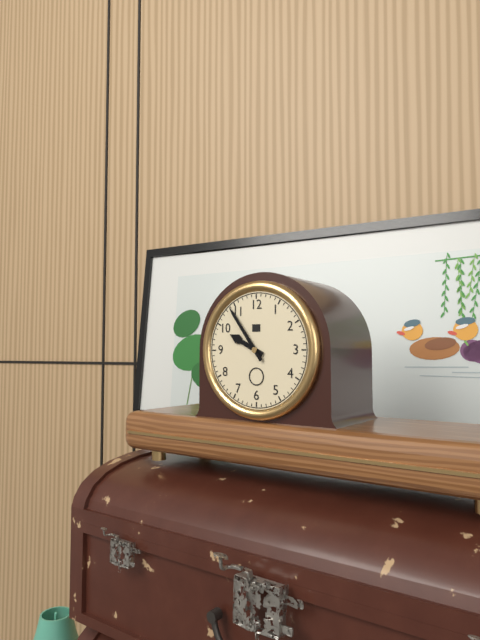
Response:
{"hour": 9, "minute": 54}
